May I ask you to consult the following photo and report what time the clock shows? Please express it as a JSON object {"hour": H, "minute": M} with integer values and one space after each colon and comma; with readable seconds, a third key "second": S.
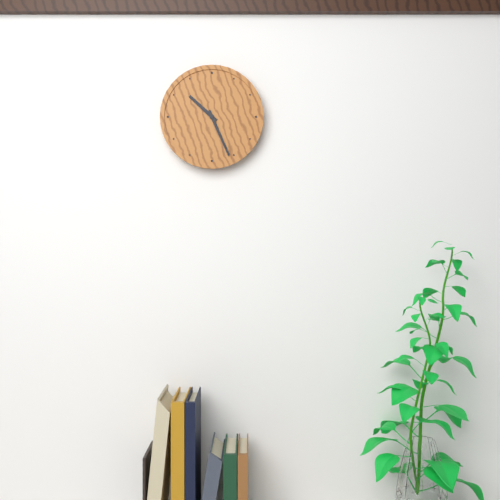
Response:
{"hour": 10, "minute": 26}
